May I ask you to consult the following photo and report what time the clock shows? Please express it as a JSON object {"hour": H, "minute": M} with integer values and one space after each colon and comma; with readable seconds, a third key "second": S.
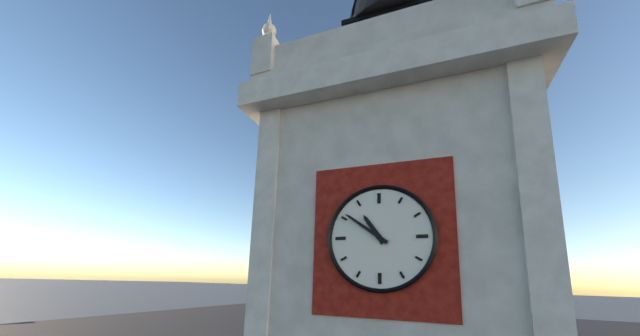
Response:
{"hour": 10, "minute": 51}
